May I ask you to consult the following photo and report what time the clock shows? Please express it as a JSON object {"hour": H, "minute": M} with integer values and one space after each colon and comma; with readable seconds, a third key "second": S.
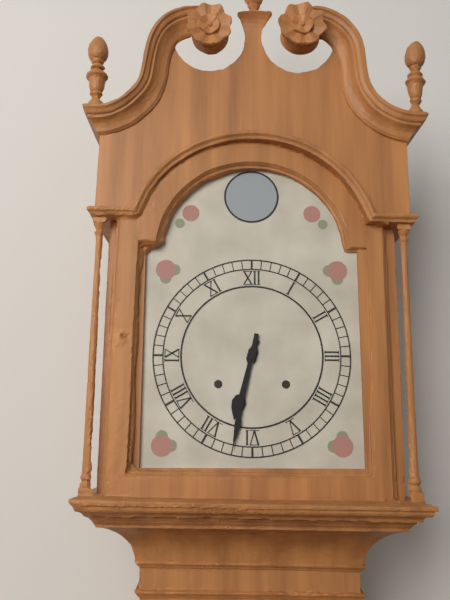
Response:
{"hour": 6, "minute": 32}
